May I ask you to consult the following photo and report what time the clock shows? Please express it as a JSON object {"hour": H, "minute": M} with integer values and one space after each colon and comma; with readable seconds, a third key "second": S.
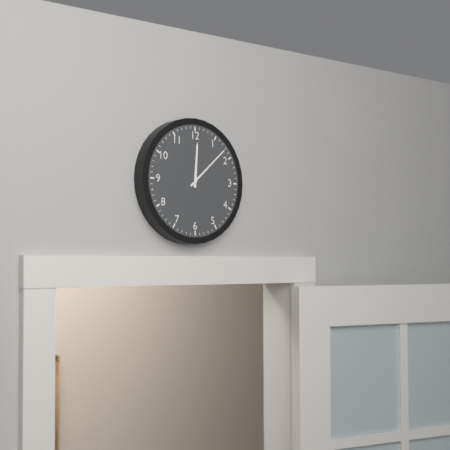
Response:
{"hour": 12, "minute": 8}
